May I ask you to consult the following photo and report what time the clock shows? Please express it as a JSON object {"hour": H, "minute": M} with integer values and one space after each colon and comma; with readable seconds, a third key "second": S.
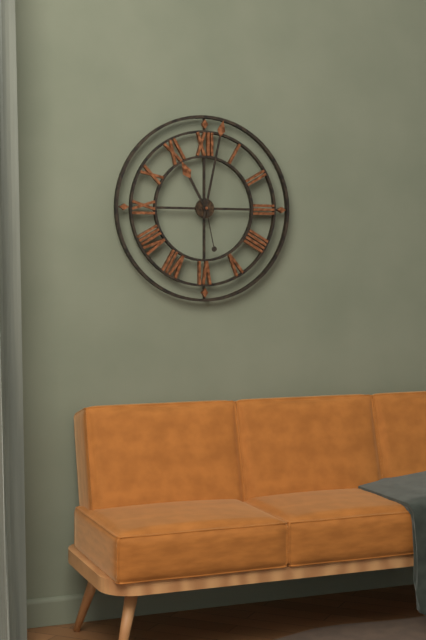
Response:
{"hour": 11, "minute": 2, "second": 28}
